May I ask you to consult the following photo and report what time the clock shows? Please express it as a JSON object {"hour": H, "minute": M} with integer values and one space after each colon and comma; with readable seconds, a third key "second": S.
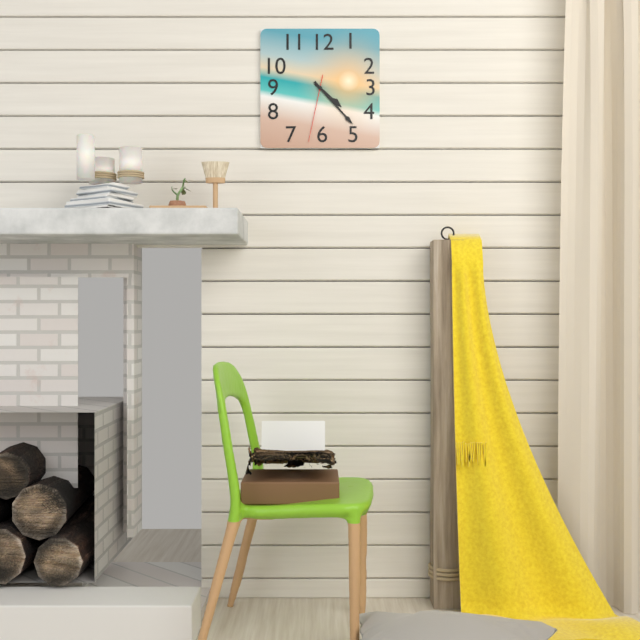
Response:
{"hour": 4, "minute": 23, "second": 32}
